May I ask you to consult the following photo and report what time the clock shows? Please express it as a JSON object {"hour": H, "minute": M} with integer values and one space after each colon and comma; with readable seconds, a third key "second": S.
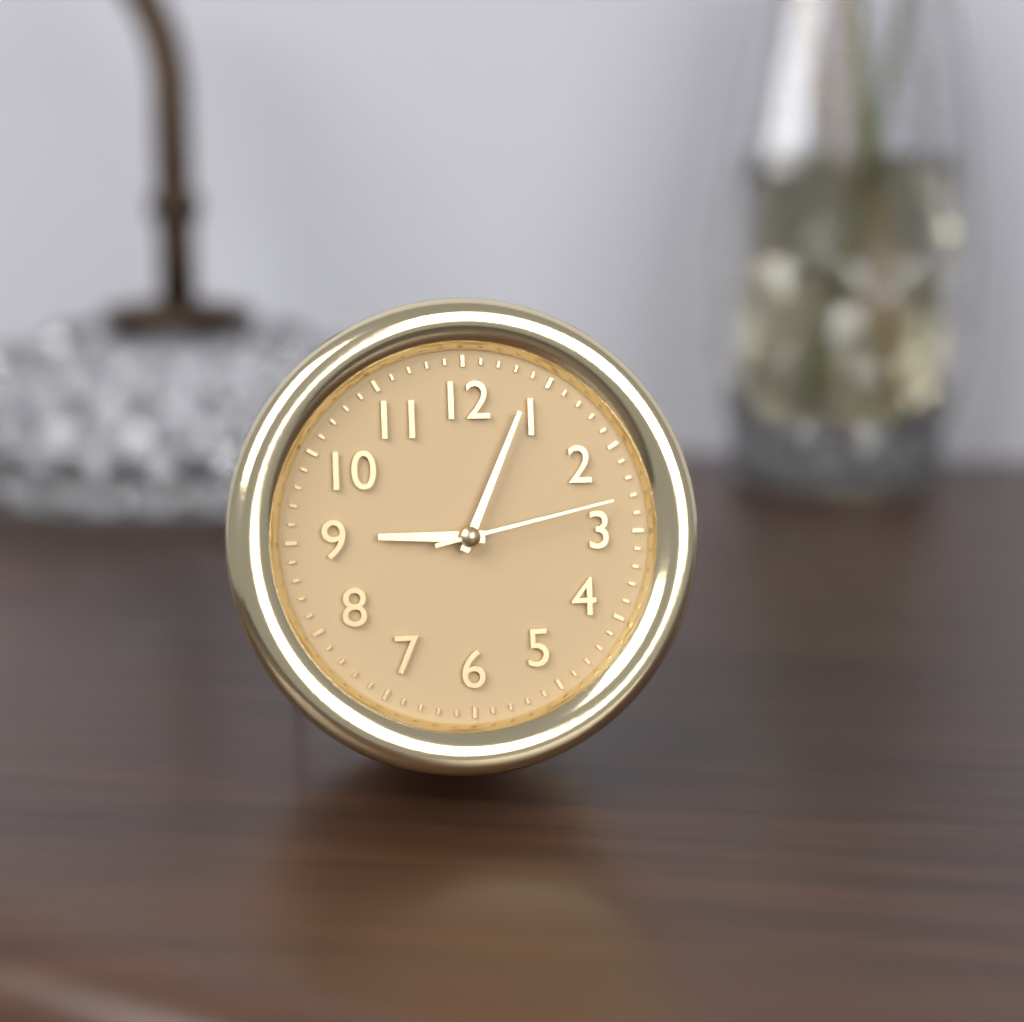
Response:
{"hour": 9, "minute": 4, "second": 13}
